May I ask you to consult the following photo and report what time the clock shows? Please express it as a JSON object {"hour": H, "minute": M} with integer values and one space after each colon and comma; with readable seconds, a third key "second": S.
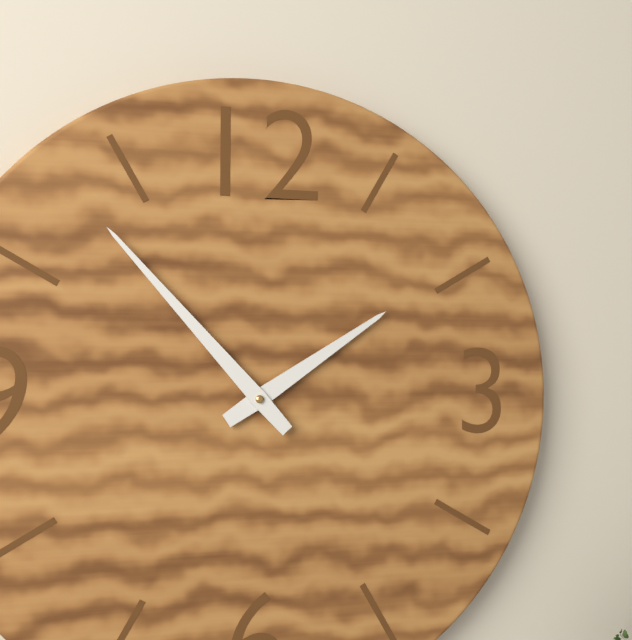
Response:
{"hour": 1, "minute": 53}
